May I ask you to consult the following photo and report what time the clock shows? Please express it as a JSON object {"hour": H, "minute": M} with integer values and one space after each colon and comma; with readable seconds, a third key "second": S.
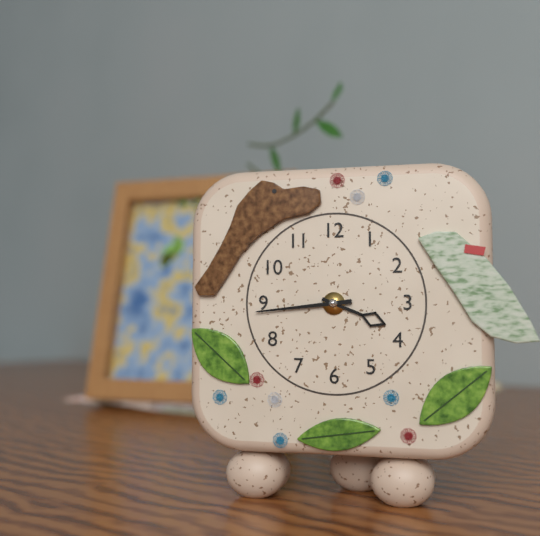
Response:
{"hour": 3, "minute": 44}
